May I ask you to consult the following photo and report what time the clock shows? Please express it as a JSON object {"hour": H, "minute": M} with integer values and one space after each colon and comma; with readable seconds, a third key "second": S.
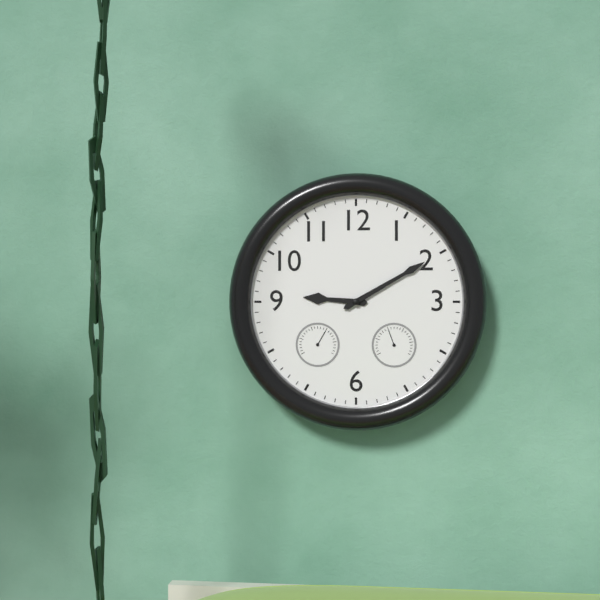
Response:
{"hour": 9, "minute": 10}
